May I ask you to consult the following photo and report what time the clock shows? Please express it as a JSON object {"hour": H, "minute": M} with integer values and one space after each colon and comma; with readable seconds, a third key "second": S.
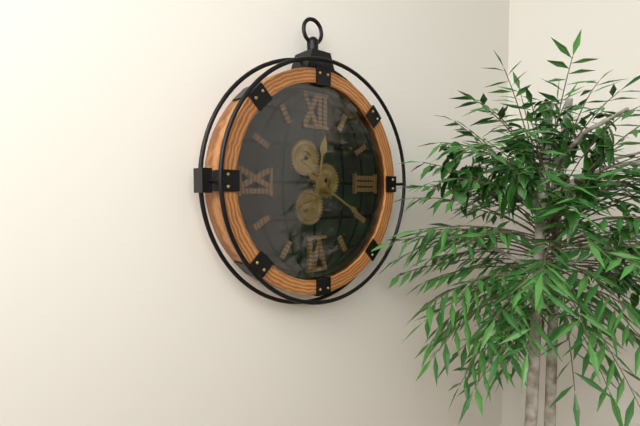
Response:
{"hour": 12, "minute": 20}
